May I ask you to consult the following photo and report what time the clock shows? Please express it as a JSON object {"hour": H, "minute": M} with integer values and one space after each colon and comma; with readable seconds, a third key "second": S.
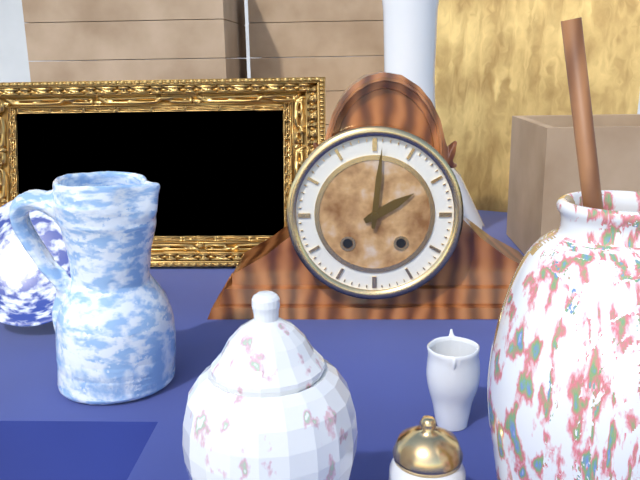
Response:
{"hour": 2, "minute": 1}
